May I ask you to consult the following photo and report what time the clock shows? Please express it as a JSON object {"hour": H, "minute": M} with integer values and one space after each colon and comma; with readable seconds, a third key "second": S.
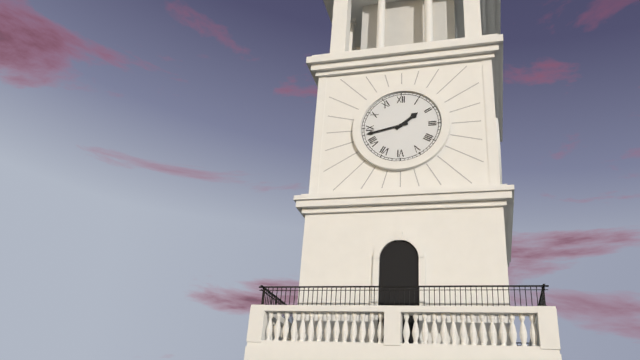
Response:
{"hour": 1, "minute": 43}
